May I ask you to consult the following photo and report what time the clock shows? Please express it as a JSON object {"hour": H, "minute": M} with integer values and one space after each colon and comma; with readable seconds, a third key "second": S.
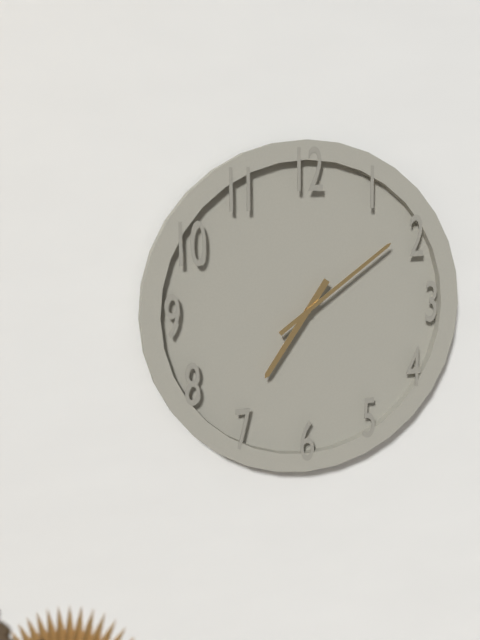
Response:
{"hour": 7, "minute": 9}
